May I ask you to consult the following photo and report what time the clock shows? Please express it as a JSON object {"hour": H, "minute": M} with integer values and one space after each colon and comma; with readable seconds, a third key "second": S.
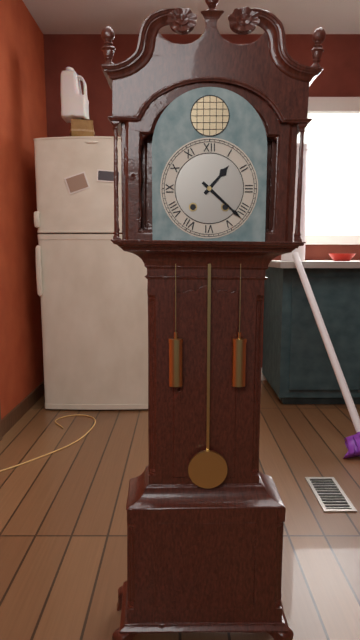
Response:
{"hour": 1, "minute": 22}
